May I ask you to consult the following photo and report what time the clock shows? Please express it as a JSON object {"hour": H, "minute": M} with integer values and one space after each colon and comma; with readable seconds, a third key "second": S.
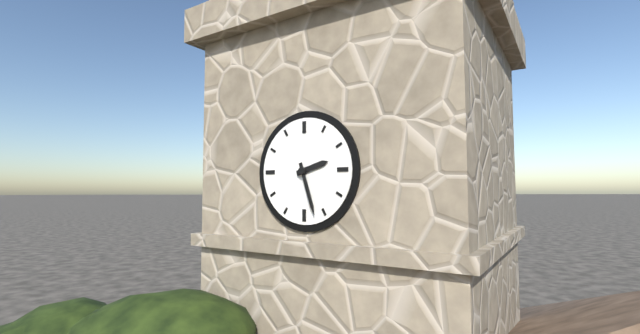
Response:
{"hour": 2, "minute": 27}
